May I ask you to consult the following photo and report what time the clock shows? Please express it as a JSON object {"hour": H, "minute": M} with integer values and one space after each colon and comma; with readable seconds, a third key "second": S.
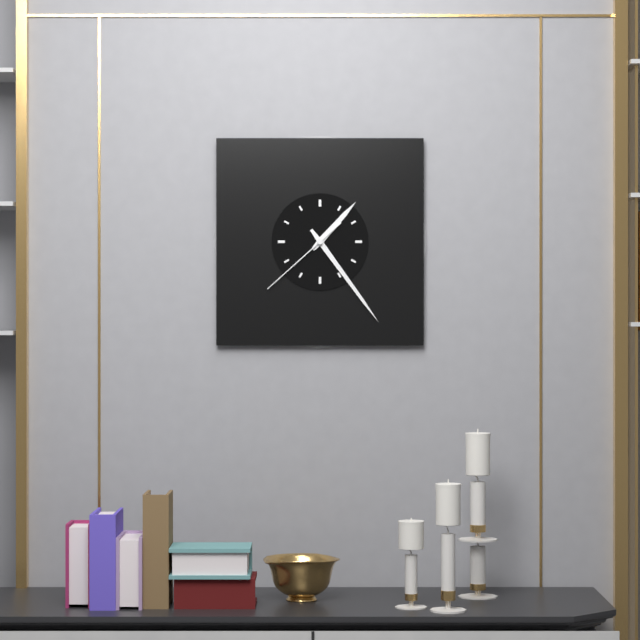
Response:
{"hour": 1, "minute": 24, "second": 38}
